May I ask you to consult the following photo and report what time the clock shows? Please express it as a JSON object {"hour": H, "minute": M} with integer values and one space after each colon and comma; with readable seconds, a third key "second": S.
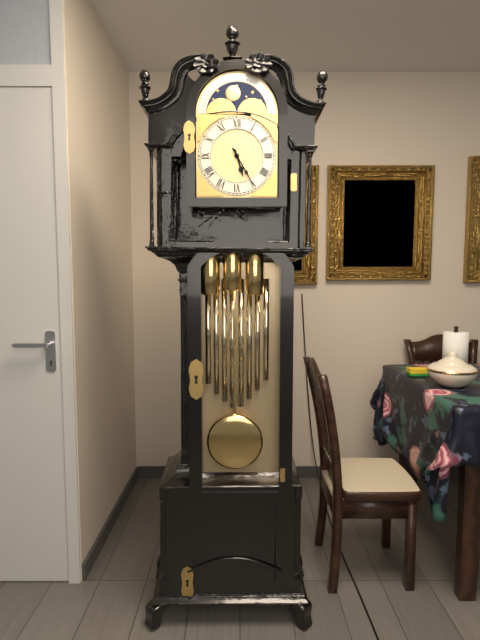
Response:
{"hour": 5, "minute": 25}
